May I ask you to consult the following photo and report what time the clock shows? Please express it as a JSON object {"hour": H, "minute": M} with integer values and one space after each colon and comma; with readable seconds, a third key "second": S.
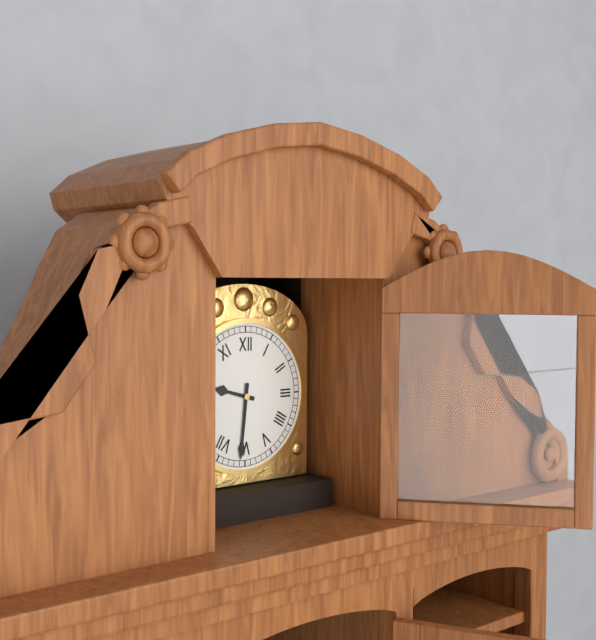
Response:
{"hour": 9, "minute": 31}
